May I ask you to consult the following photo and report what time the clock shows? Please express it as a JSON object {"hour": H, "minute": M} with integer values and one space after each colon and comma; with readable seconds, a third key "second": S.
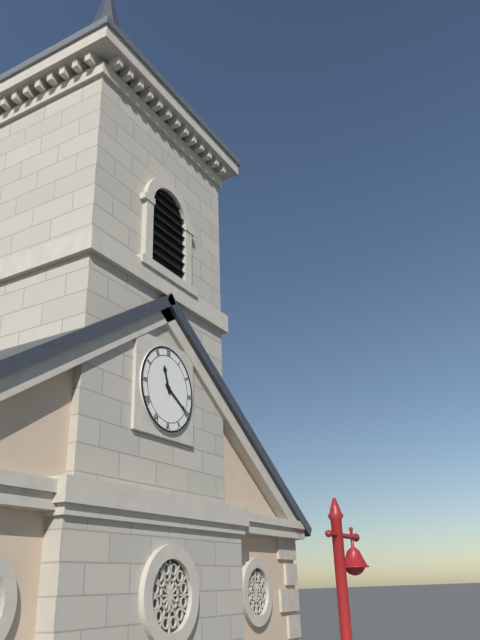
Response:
{"hour": 11, "minute": 20}
